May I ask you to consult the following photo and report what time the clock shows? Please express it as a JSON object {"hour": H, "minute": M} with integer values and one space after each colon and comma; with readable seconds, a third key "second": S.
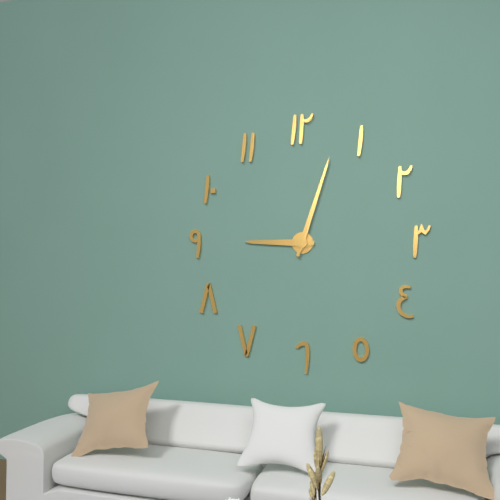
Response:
{"hour": 9, "minute": 3}
